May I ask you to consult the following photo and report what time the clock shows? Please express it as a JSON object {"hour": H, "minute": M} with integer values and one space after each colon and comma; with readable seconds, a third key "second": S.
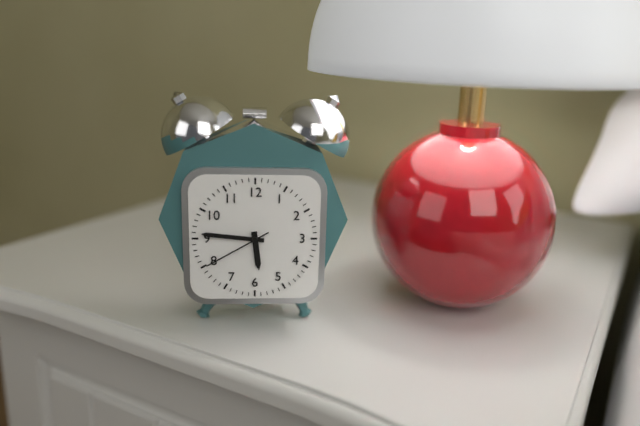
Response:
{"hour": 5, "minute": 46, "second": 40}
